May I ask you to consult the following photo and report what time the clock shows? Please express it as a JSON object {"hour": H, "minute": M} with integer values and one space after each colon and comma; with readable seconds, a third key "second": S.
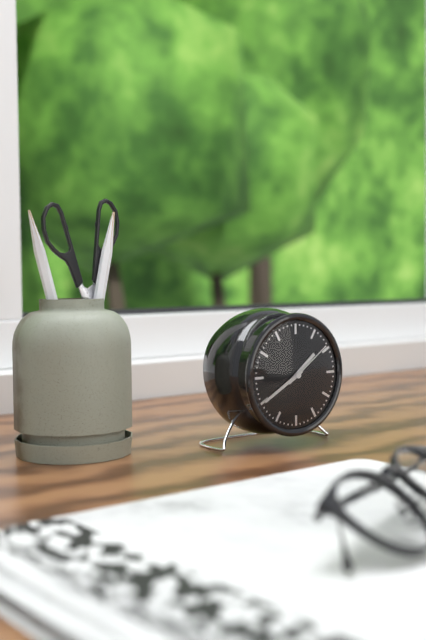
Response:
{"hour": 1, "minute": 40, "second": 9}
